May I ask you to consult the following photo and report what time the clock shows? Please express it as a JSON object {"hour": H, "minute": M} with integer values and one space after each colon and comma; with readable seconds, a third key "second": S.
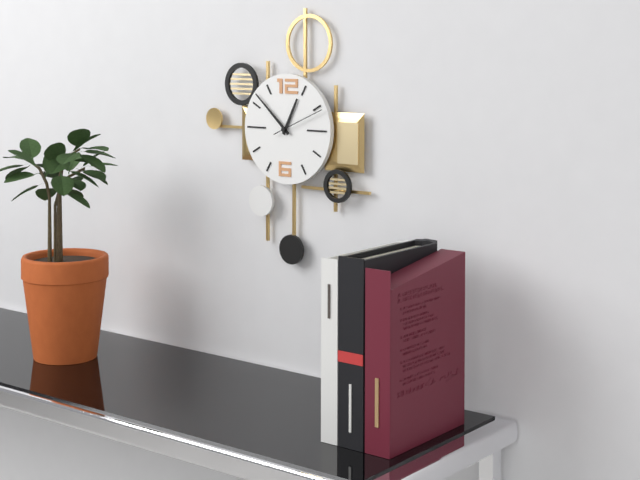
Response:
{"hour": 12, "minute": 52, "second": 11}
